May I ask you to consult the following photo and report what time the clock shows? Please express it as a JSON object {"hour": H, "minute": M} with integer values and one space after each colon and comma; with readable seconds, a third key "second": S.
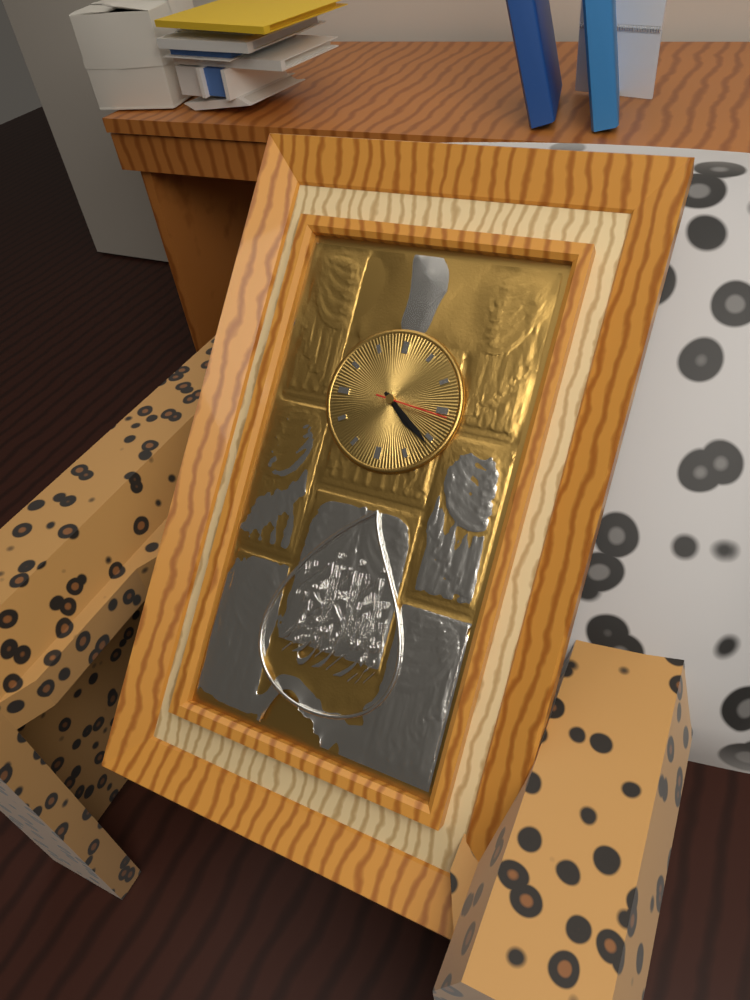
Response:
{"hour": 4, "minute": 21, "second": 16}
